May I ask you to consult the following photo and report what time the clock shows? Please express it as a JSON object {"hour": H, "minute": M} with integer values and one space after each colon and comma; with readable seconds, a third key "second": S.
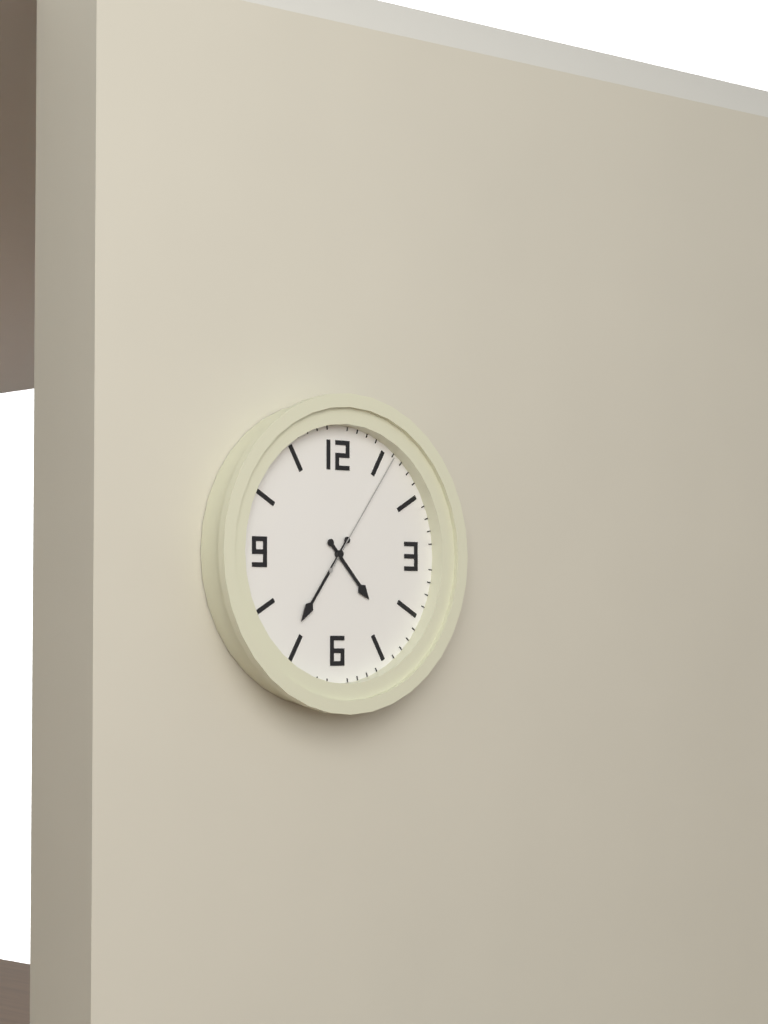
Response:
{"hour": 4, "minute": 36, "second": 6}
